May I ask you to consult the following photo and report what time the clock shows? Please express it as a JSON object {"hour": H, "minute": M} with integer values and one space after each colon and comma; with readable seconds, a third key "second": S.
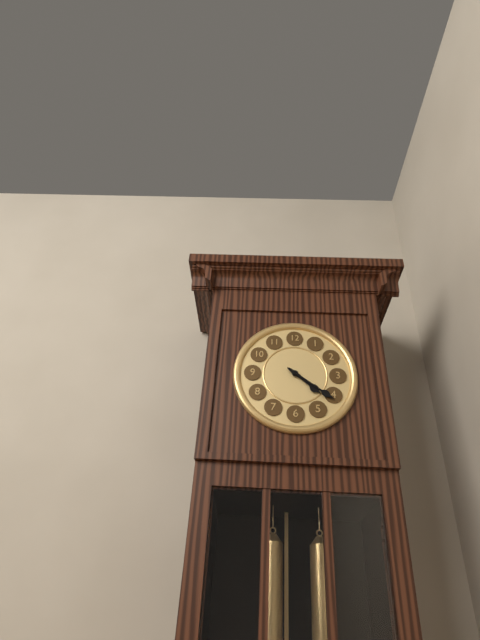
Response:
{"hour": 4, "minute": 21}
